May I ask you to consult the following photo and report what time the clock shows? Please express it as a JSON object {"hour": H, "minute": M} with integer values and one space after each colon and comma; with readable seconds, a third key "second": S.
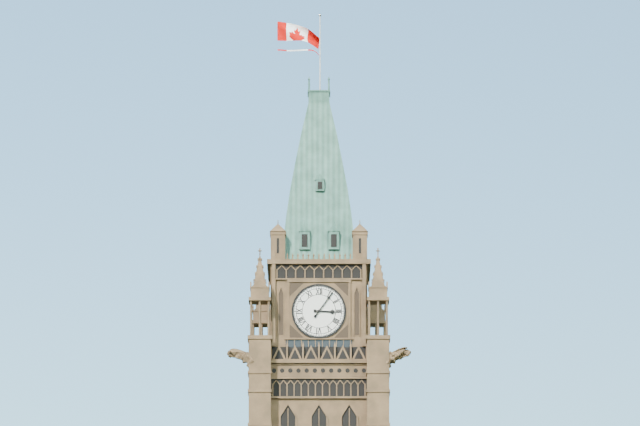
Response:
{"hour": 3, "minute": 6}
